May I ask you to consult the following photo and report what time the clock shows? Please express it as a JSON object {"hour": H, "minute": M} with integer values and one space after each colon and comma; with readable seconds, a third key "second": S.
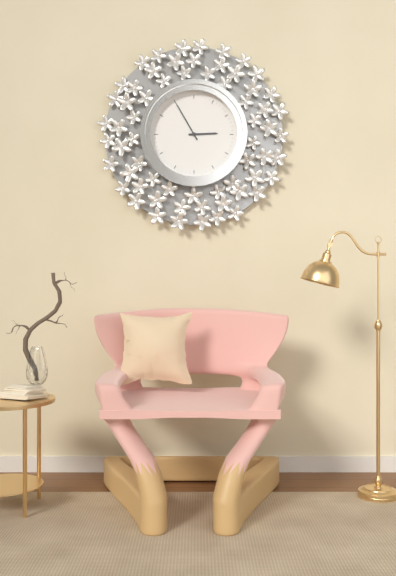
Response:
{"hour": 2, "minute": 55}
